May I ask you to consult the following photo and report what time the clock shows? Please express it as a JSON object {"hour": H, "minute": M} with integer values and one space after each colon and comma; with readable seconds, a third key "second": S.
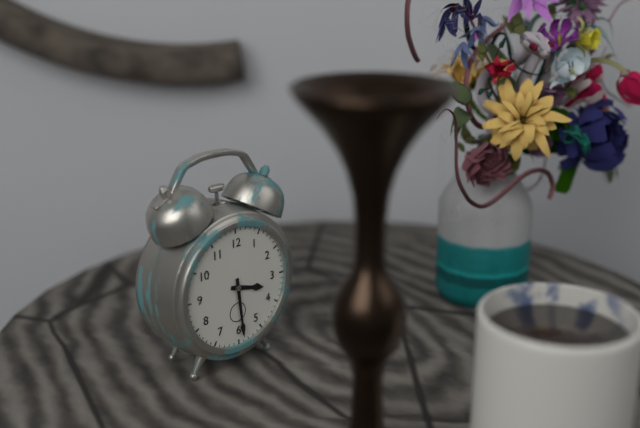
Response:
{"hour": 3, "minute": 29}
